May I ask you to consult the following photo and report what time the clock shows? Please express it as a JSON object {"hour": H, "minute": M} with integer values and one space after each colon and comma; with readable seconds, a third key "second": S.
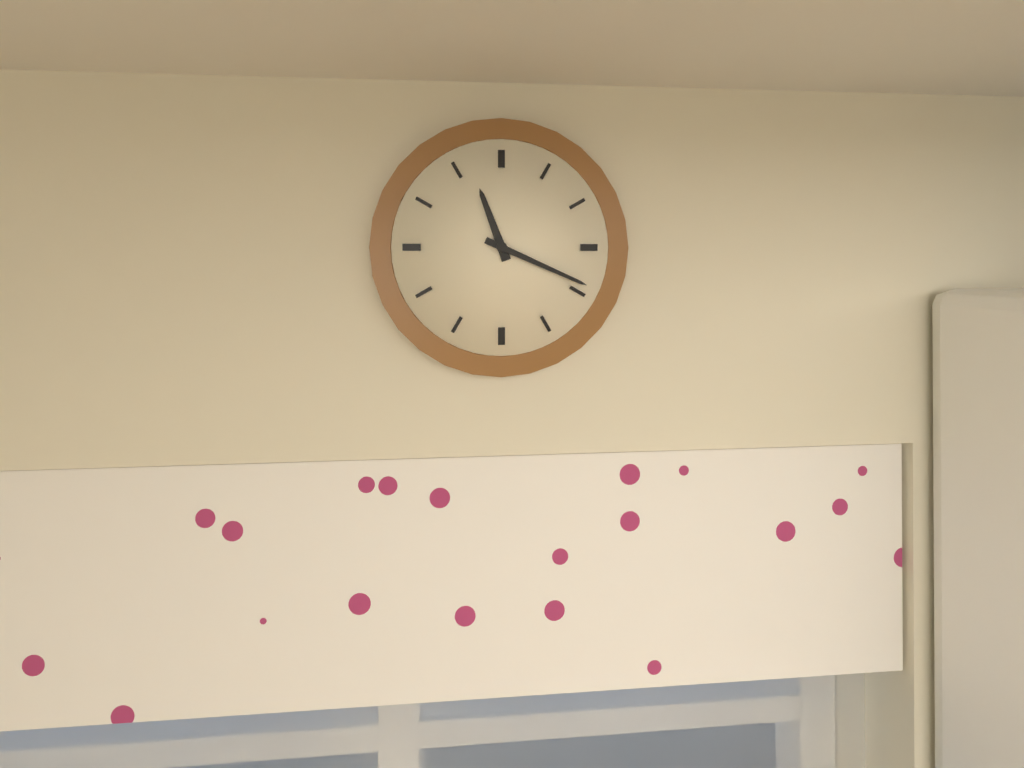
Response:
{"hour": 11, "minute": 19}
